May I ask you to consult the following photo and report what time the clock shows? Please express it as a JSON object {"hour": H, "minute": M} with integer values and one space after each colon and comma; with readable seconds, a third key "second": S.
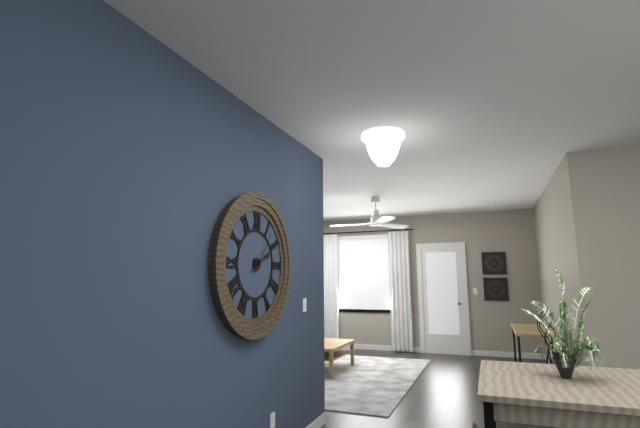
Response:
{"hour": 2, "minute": 10}
